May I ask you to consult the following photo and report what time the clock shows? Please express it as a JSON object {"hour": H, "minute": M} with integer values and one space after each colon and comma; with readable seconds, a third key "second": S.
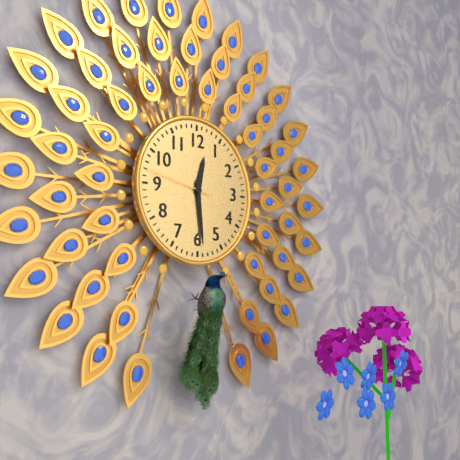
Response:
{"hour": 12, "minute": 29, "second": 47}
